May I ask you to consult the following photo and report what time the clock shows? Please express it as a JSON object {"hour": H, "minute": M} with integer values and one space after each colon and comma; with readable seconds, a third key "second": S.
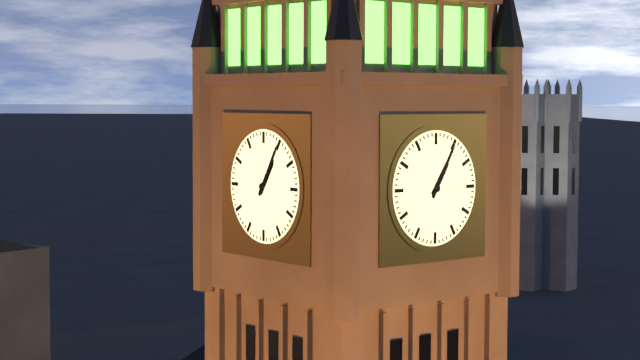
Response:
{"hour": 1, "minute": 5}
